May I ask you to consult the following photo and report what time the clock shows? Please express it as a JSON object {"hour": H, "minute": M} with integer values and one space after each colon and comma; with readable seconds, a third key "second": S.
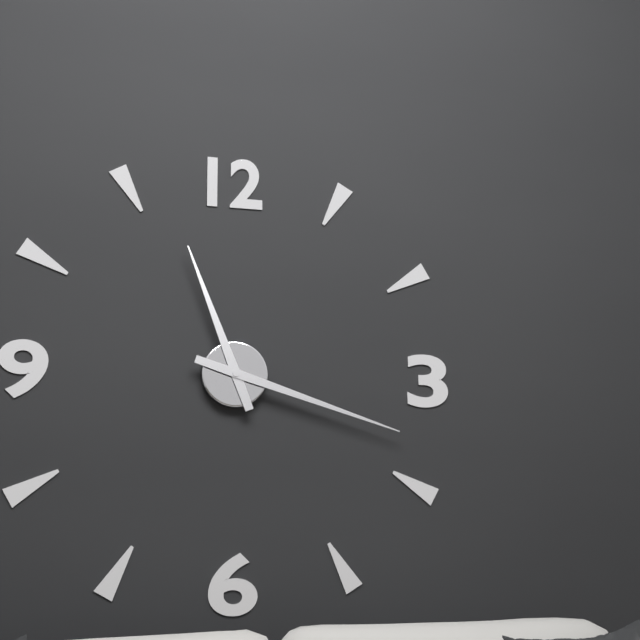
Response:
{"hour": 11, "minute": 18}
